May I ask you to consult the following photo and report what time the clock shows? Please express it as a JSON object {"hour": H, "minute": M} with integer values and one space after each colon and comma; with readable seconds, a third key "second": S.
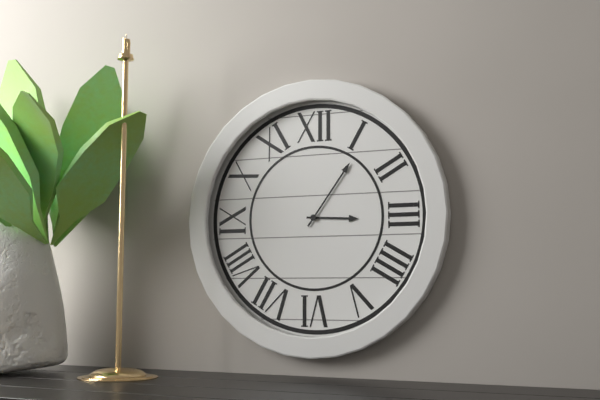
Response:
{"hour": 3, "minute": 6}
